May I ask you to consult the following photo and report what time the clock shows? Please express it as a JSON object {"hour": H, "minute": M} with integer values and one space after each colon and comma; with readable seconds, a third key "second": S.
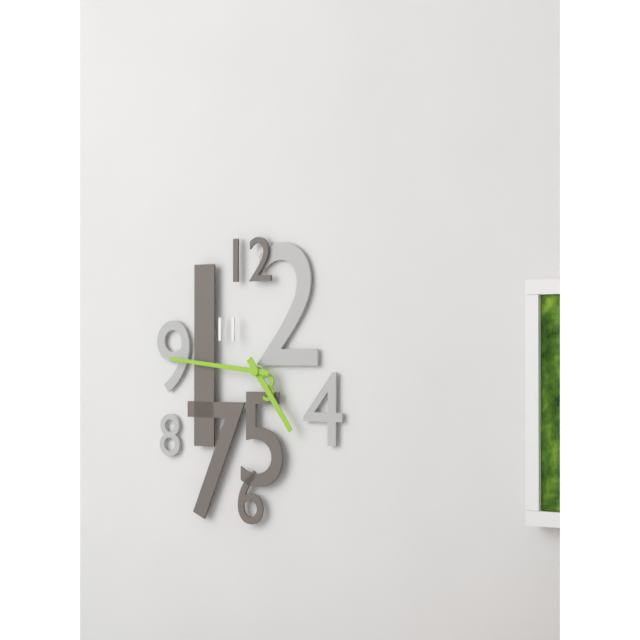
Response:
{"hour": 4, "minute": 46}
